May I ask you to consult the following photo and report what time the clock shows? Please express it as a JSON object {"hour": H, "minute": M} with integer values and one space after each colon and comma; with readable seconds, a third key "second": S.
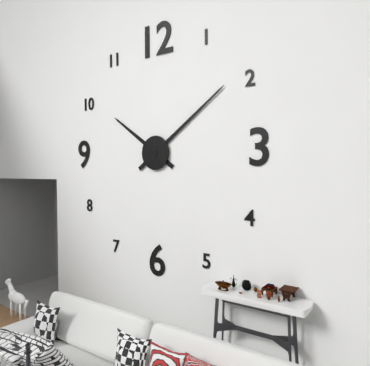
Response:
{"hour": 10, "minute": 9}
